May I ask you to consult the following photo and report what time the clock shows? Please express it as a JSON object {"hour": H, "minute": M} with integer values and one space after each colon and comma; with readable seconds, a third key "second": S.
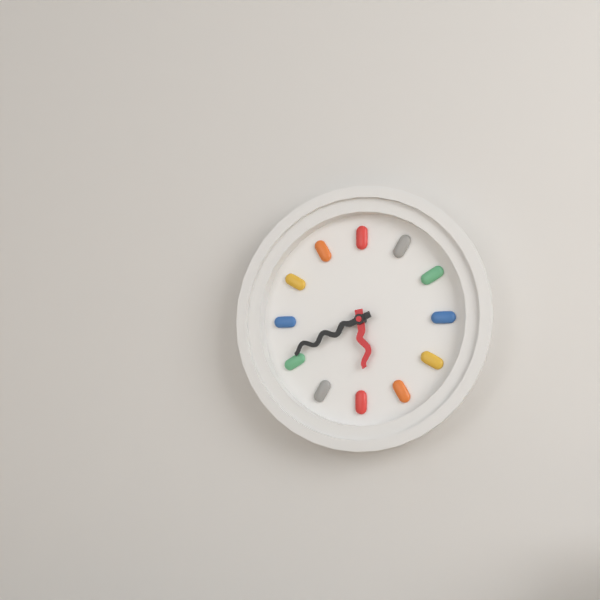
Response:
{"hour": 5, "minute": 41}
